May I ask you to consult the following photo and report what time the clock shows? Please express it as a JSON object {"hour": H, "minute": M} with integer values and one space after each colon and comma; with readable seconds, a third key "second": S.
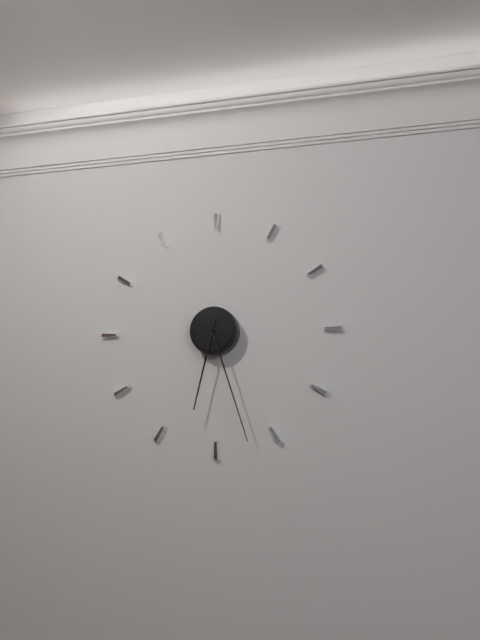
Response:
{"hour": 6, "minute": 27}
